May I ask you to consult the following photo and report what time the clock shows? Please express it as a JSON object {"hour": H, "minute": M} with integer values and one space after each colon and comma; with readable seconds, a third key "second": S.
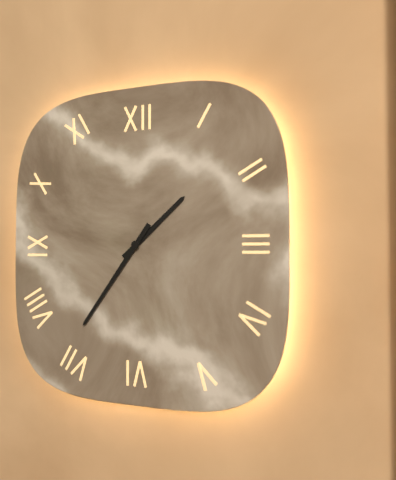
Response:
{"hour": 1, "minute": 36}
